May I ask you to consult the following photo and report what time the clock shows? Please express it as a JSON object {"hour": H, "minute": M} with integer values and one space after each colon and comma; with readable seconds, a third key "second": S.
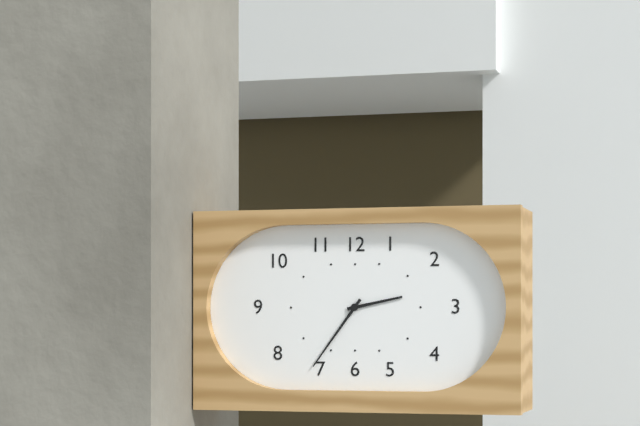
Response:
{"hour": 2, "minute": 36}
